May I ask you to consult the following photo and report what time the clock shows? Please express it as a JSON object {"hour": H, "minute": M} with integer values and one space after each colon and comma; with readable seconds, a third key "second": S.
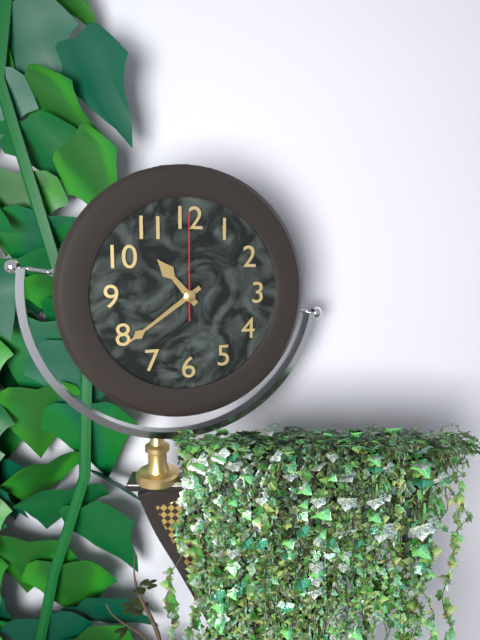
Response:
{"hour": 10, "minute": 39, "second": 0}
